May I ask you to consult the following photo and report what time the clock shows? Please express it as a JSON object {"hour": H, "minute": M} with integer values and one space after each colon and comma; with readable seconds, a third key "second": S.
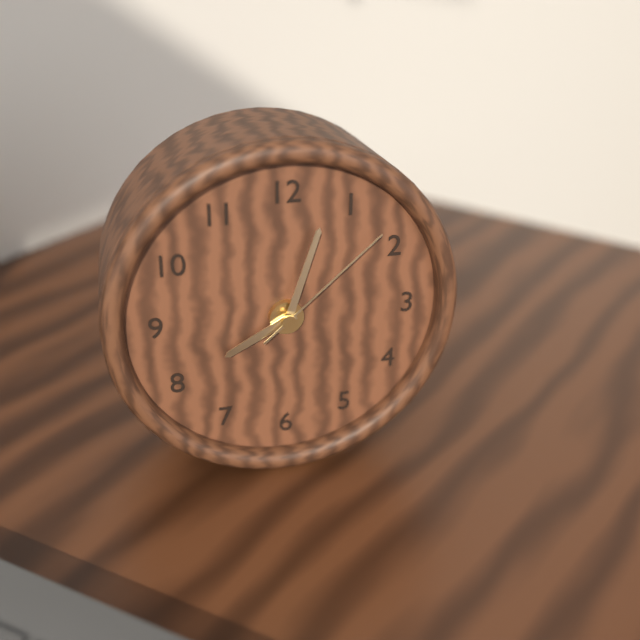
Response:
{"hour": 8, "minute": 3, "second": 8}
